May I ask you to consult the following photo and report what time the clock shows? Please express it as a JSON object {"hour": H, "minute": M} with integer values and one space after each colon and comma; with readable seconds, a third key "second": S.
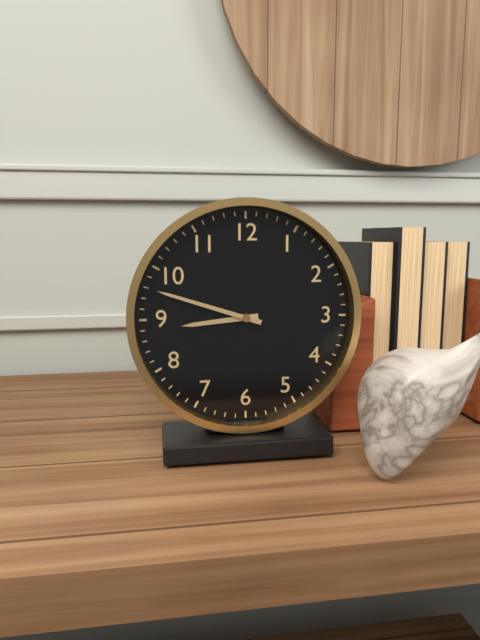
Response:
{"hour": 8, "minute": 48}
